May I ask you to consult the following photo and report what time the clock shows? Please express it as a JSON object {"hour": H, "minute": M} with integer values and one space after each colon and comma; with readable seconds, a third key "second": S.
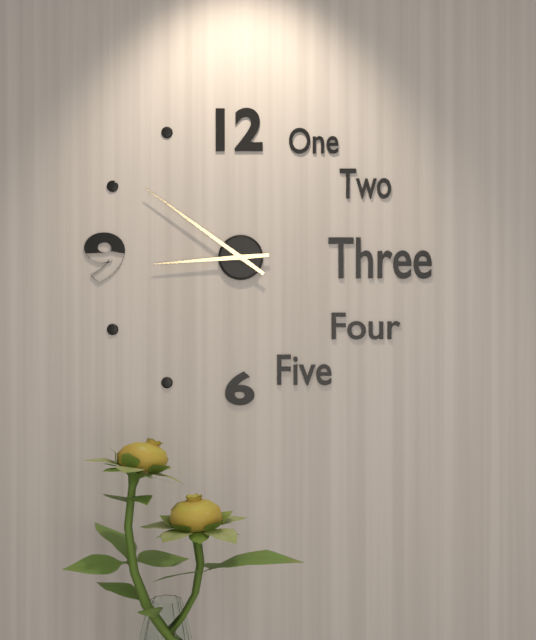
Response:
{"hour": 8, "minute": 51}
